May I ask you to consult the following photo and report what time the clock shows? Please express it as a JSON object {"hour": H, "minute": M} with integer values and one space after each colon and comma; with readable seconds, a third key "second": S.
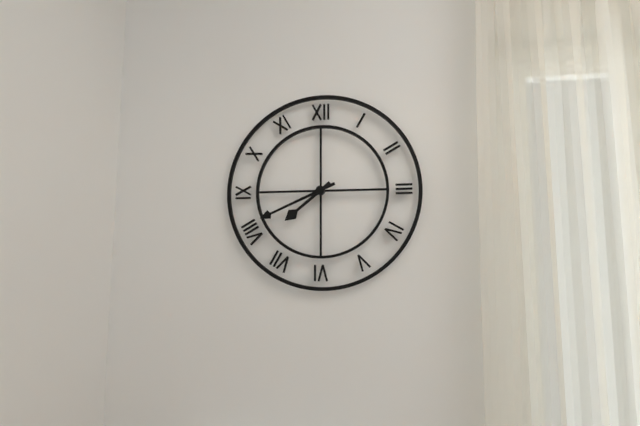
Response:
{"hour": 7, "minute": 41}
